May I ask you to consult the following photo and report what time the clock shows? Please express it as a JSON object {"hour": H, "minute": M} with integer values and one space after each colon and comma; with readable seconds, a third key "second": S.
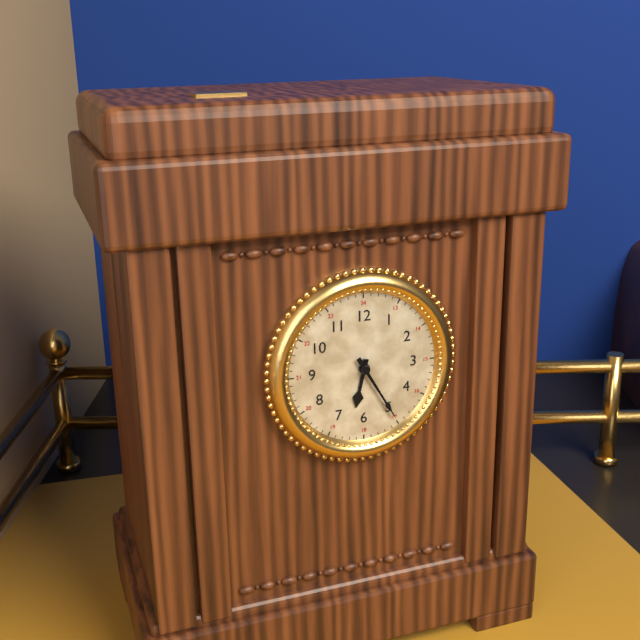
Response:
{"hour": 6, "minute": 25}
